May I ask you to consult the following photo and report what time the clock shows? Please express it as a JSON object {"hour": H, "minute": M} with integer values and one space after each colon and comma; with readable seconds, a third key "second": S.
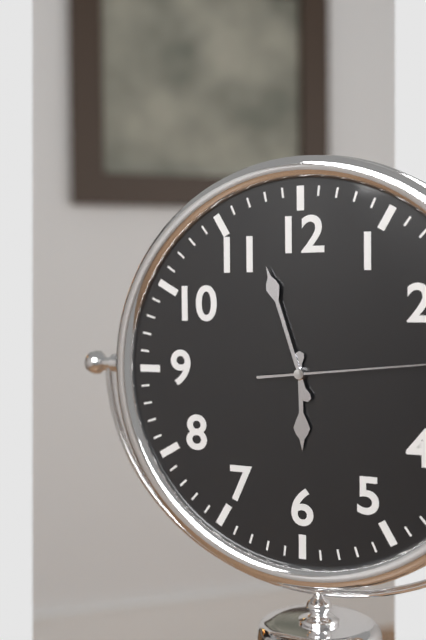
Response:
{"hour": 5, "minute": 57}
